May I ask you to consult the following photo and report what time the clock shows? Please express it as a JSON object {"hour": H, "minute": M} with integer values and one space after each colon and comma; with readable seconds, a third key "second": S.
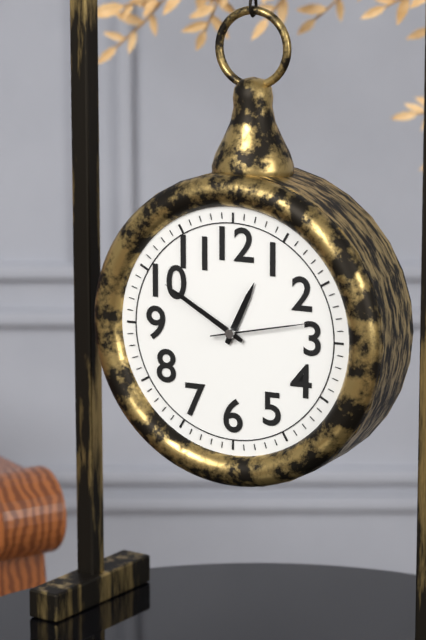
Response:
{"hour": 12, "minute": 50, "second": 13}
